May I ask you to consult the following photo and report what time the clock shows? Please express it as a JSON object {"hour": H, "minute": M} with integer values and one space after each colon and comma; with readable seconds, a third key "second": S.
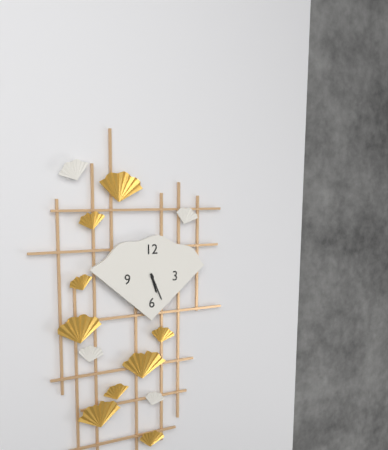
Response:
{"hour": 5, "minute": 26}
